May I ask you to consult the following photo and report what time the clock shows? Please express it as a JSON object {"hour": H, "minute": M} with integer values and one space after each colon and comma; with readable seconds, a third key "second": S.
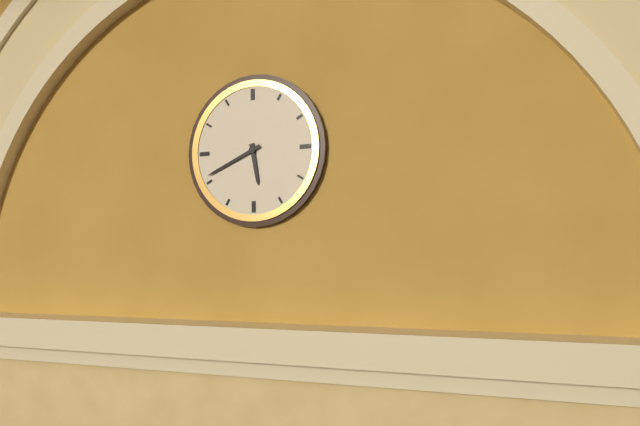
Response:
{"hour": 5, "minute": 41}
